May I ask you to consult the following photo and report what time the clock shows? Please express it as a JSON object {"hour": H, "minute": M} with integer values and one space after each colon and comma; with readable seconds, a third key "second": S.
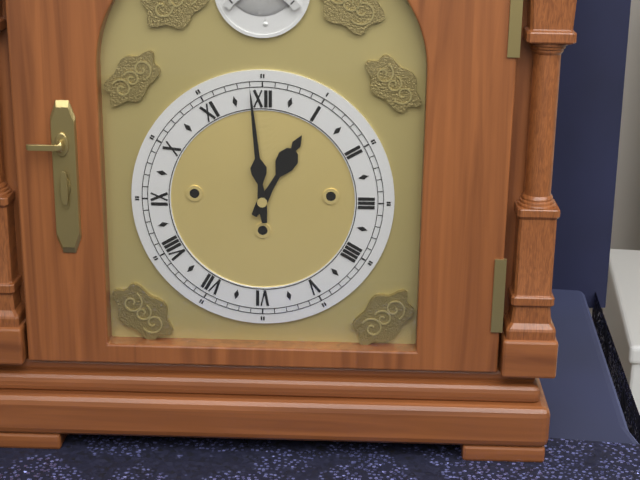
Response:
{"hour": 12, "minute": 59}
